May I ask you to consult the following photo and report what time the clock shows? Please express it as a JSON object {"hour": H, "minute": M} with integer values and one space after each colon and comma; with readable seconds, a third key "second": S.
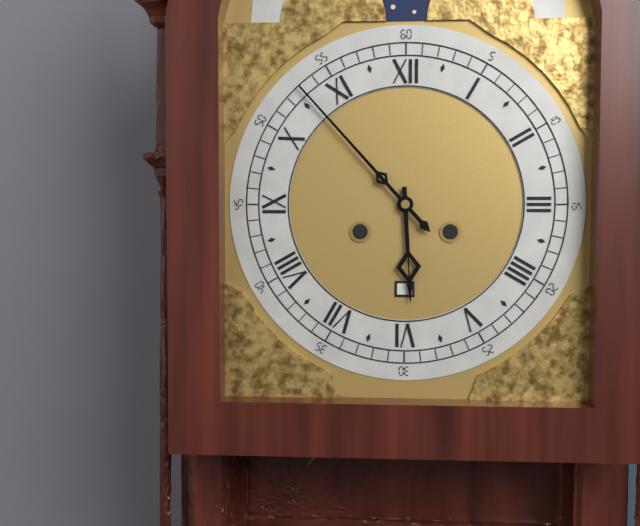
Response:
{"hour": 5, "minute": 53}
